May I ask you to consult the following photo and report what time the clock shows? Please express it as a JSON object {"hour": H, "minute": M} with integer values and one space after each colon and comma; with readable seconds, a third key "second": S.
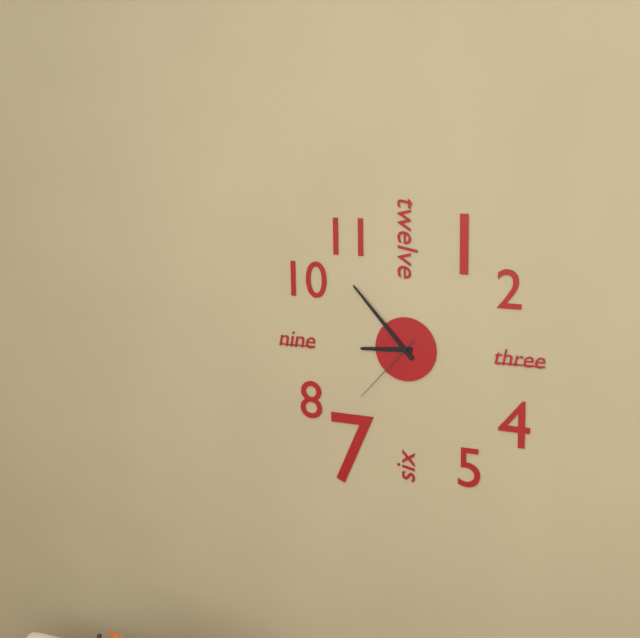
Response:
{"hour": 8, "minute": 53, "second": 37}
